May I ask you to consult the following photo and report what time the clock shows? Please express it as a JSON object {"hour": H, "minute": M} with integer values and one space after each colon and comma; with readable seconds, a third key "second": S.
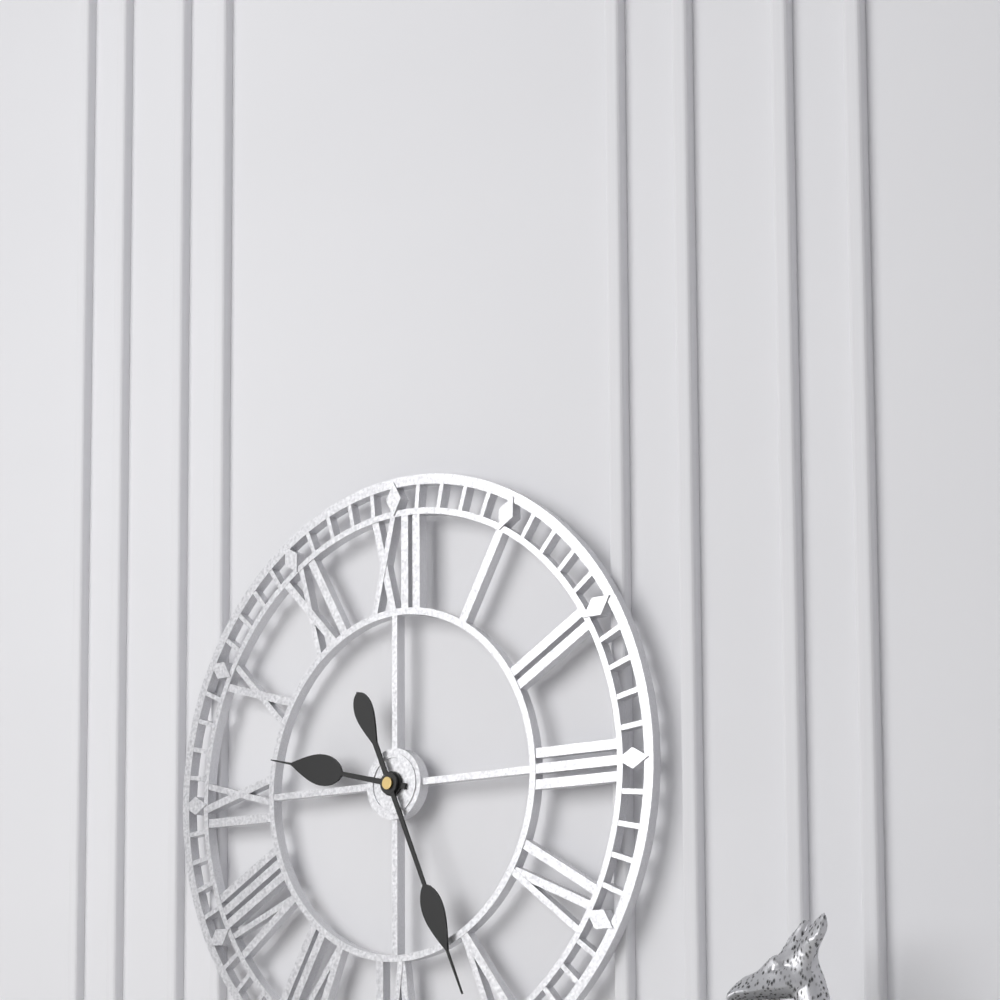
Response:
{"hour": 9, "minute": 26}
